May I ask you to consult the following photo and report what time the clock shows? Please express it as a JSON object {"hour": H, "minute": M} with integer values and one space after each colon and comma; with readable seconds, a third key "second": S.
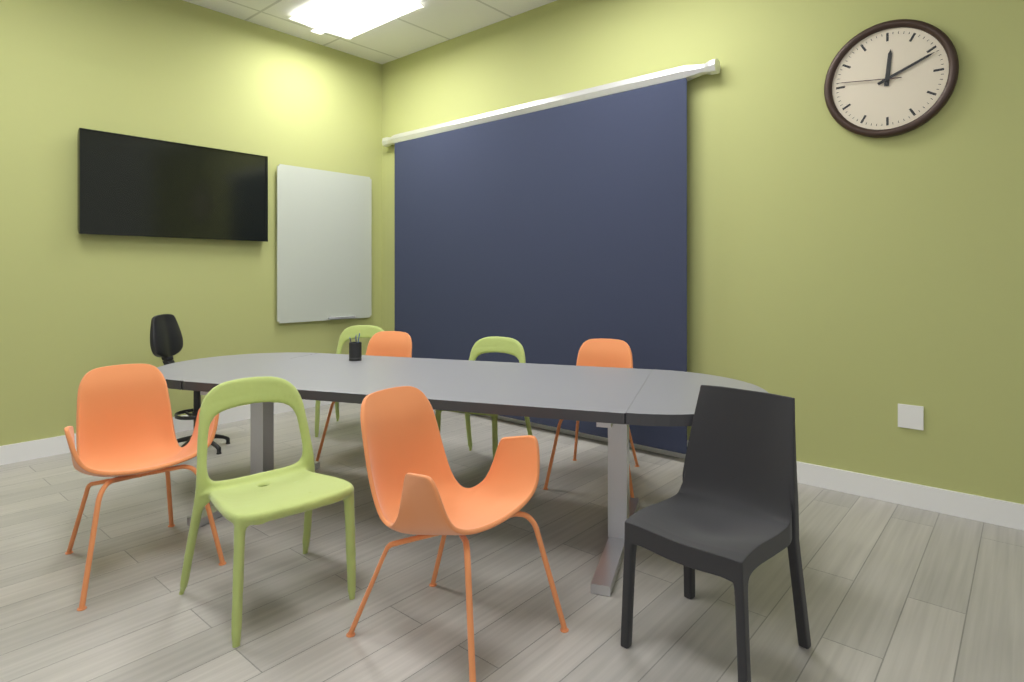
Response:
{"hour": 12, "minute": 11, "second": 46}
